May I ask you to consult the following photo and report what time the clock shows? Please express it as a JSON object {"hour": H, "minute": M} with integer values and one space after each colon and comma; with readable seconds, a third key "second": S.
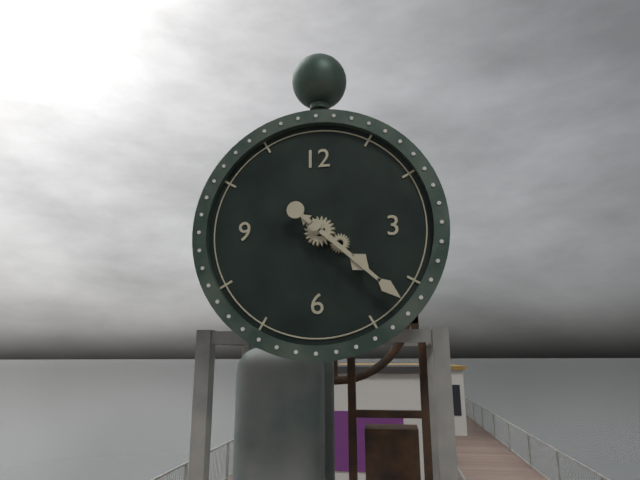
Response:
{"hour": 4, "minute": 22}
